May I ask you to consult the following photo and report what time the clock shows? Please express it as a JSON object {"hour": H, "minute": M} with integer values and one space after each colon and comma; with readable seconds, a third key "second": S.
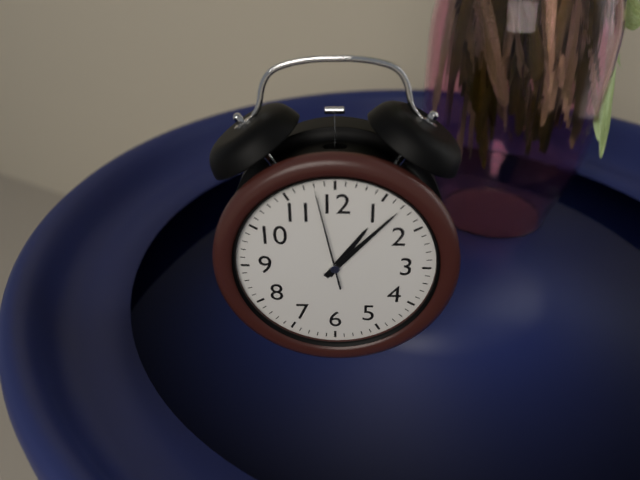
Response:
{"hour": 1, "minute": 7, "second": 58}
